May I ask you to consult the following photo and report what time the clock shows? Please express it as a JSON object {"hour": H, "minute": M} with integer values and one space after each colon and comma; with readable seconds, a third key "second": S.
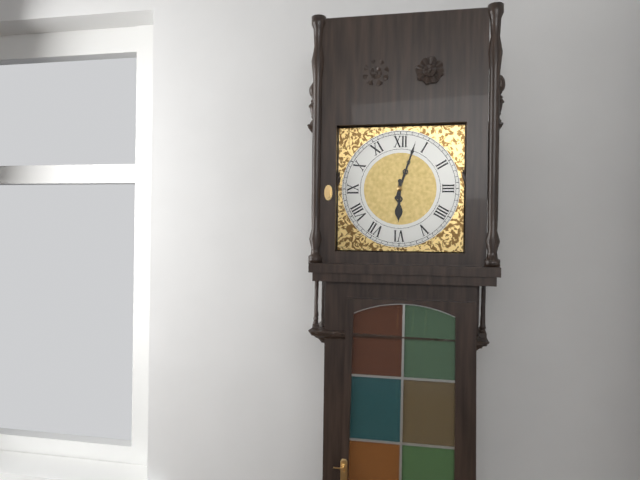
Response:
{"hour": 6, "minute": 3}
